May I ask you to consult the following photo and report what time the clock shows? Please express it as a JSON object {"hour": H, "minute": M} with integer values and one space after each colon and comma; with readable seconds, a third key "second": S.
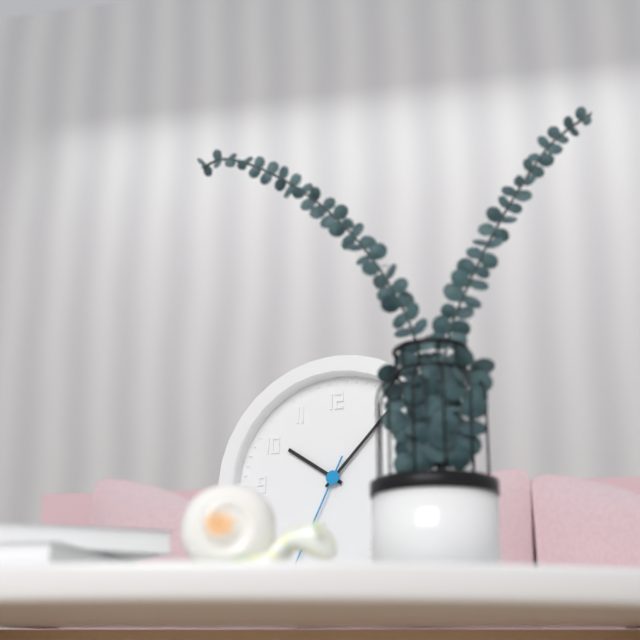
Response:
{"hour": 10, "minute": 7}
